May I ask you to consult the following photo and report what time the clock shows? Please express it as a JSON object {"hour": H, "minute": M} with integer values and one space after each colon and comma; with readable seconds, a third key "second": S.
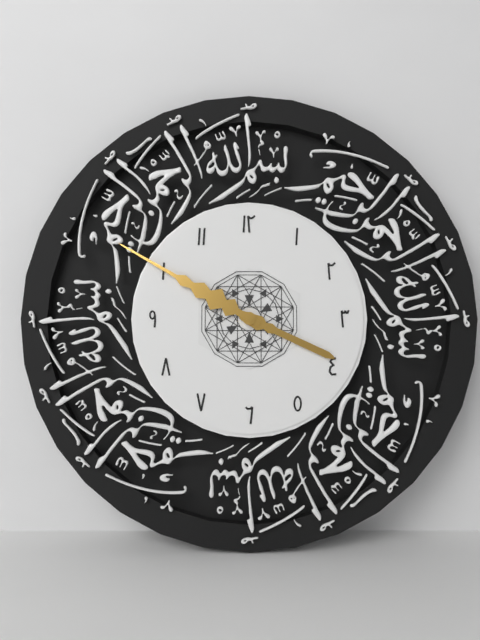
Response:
{"hour": 3, "minute": 50}
